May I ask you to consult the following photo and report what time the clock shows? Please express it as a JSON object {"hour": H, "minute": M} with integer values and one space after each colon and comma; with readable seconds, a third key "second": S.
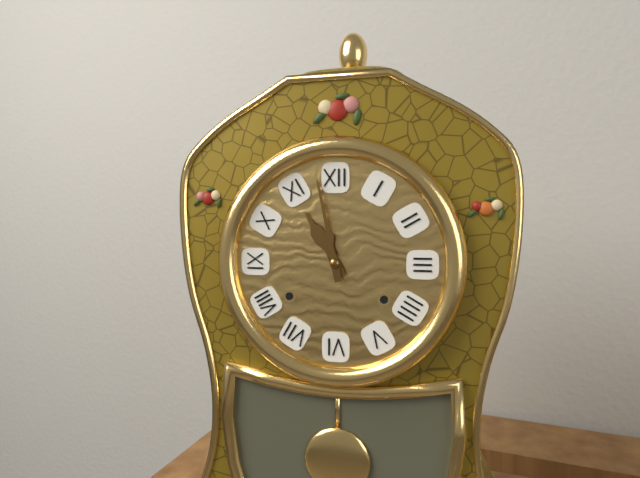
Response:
{"hour": 10, "minute": 58}
